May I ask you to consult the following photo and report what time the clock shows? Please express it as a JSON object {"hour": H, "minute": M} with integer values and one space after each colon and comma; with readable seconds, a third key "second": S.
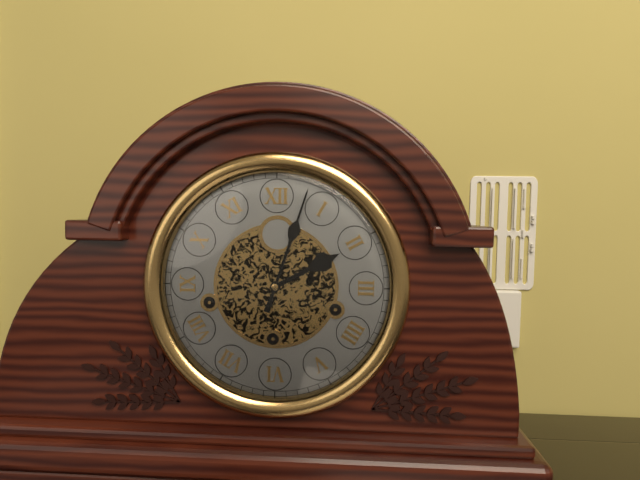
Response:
{"hour": 2, "minute": 3}
